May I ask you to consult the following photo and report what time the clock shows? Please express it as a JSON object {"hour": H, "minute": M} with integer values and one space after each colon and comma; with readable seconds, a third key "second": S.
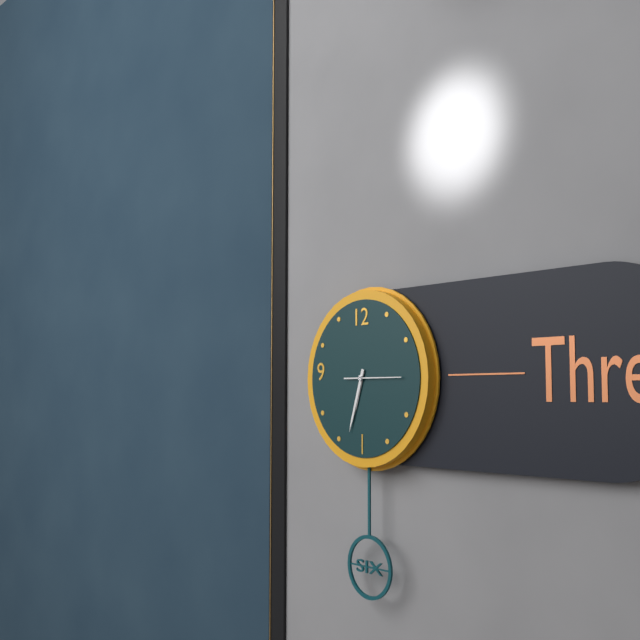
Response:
{"hour": 6, "minute": 33}
